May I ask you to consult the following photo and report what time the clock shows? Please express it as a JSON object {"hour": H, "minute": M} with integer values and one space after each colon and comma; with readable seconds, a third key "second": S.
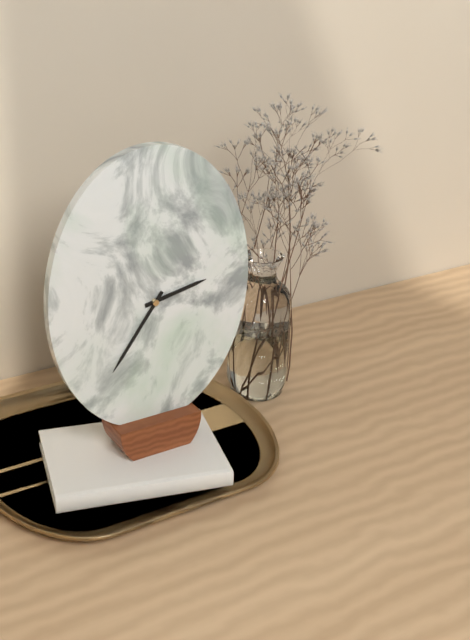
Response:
{"hour": 2, "minute": 36}
